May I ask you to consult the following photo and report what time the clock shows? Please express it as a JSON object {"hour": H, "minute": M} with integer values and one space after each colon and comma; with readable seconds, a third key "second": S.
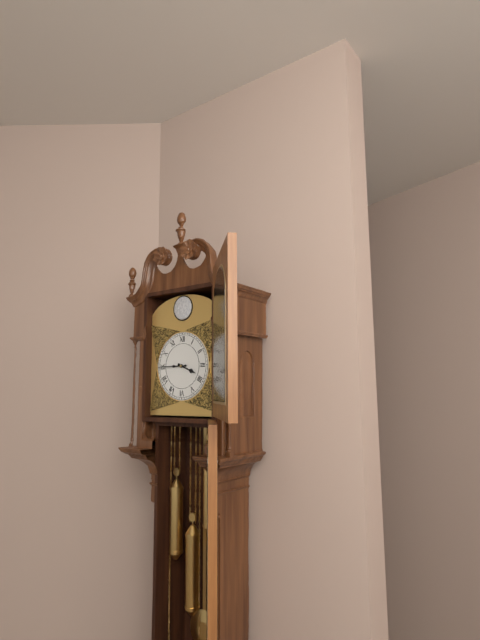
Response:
{"hour": 3, "minute": 45}
